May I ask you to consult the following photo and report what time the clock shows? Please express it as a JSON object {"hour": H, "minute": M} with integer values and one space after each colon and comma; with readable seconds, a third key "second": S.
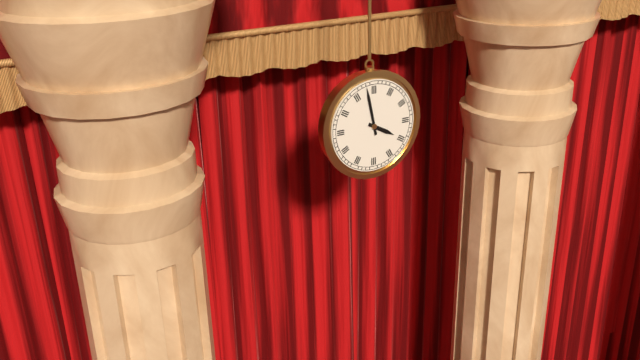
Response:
{"hour": 3, "minute": 58}
